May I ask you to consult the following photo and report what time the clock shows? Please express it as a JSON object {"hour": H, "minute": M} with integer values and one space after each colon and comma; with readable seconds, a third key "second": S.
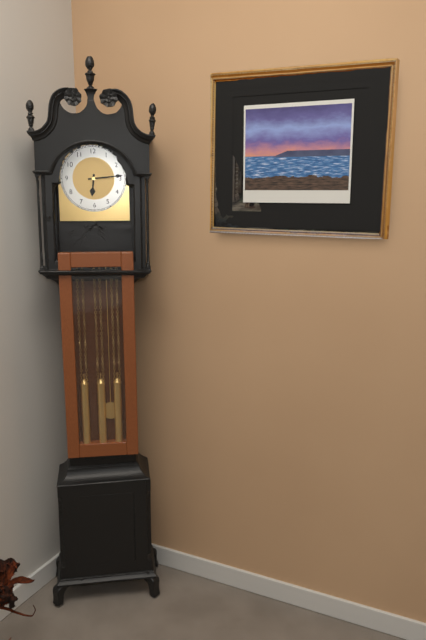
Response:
{"hour": 6, "minute": 14}
